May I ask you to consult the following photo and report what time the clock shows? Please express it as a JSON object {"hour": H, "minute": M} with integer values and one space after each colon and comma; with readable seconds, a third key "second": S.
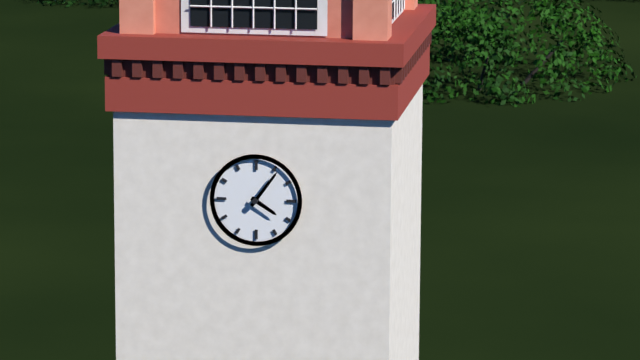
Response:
{"hour": 4, "minute": 6}
